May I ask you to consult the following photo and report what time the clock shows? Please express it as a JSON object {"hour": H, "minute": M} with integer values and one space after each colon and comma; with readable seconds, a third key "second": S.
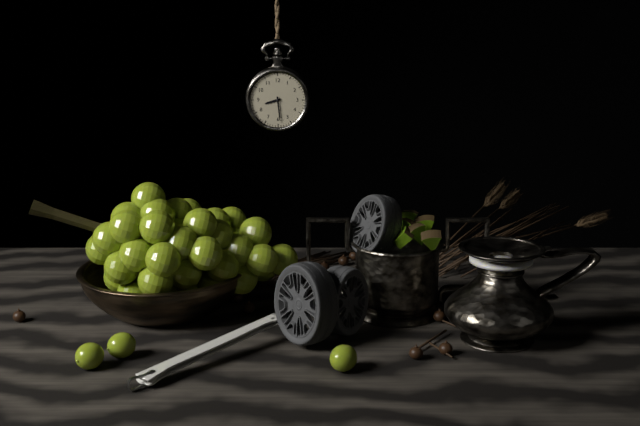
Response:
{"hour": 8, "minute": 29}
